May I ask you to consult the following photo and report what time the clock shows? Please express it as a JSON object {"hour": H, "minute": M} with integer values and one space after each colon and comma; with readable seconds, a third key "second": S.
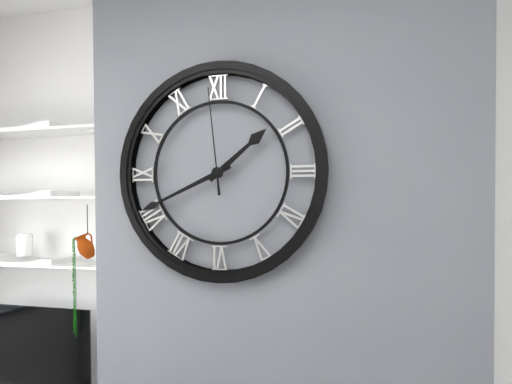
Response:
{"hour": 1, "minute": 41, "second": 59}
